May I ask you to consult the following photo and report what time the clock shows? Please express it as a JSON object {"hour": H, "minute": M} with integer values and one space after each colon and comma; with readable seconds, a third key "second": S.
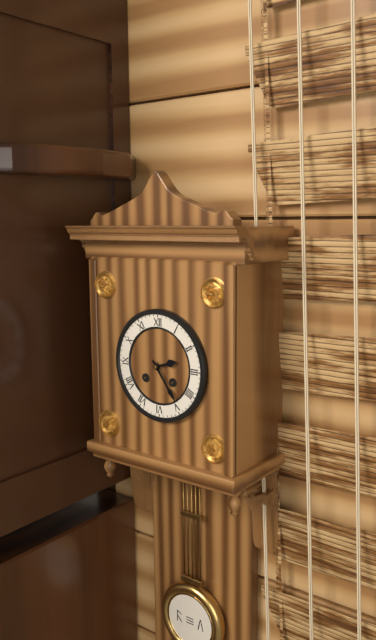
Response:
{"hour": 2, "minute": 24}
